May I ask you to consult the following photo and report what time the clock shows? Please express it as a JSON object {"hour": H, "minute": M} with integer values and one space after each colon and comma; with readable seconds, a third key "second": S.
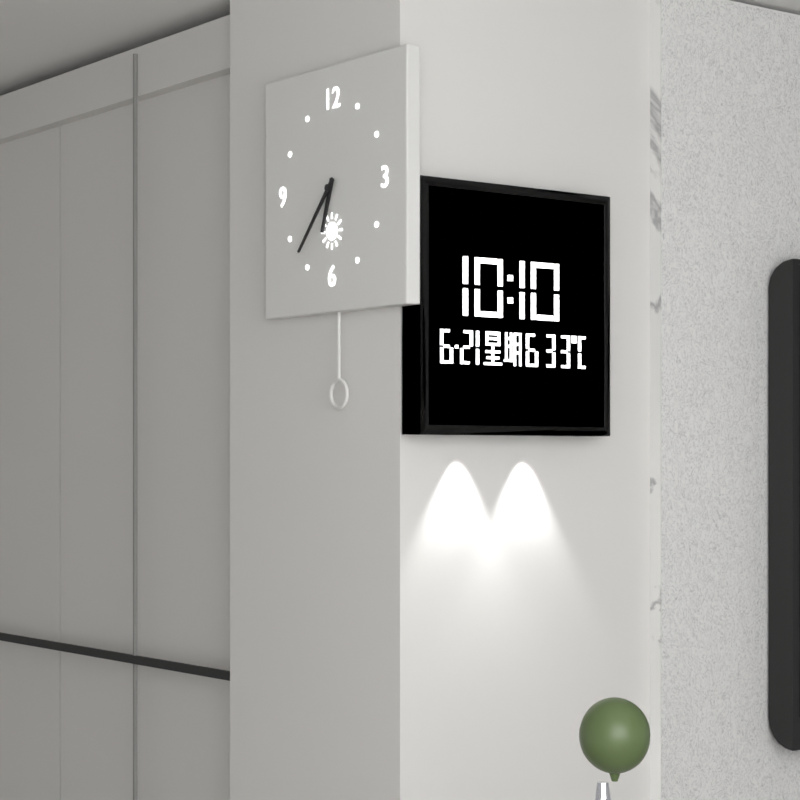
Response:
{"hour": 6, "minute": 37}
